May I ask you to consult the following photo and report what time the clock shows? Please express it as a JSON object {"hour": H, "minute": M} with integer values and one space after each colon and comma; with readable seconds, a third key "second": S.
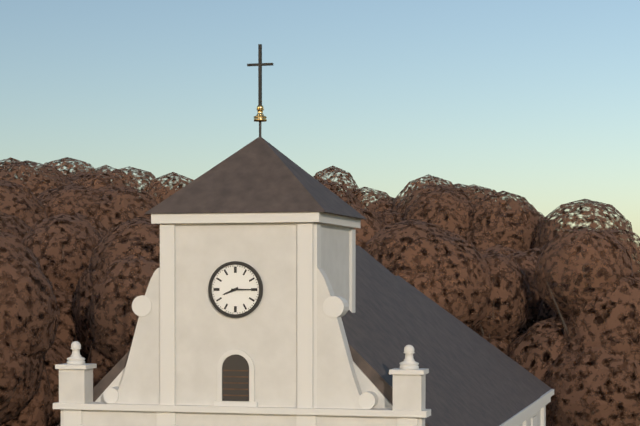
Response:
{"hour": 8, "minute": 15}
